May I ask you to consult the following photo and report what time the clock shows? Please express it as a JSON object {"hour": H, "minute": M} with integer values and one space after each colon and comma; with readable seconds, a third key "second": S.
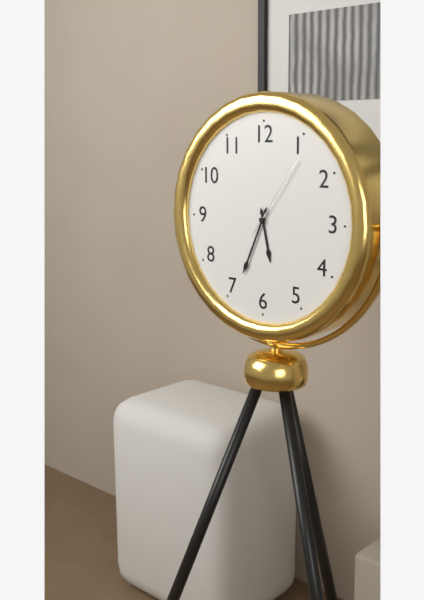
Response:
{"hour": 5, "minute": 34, "second": 6}
